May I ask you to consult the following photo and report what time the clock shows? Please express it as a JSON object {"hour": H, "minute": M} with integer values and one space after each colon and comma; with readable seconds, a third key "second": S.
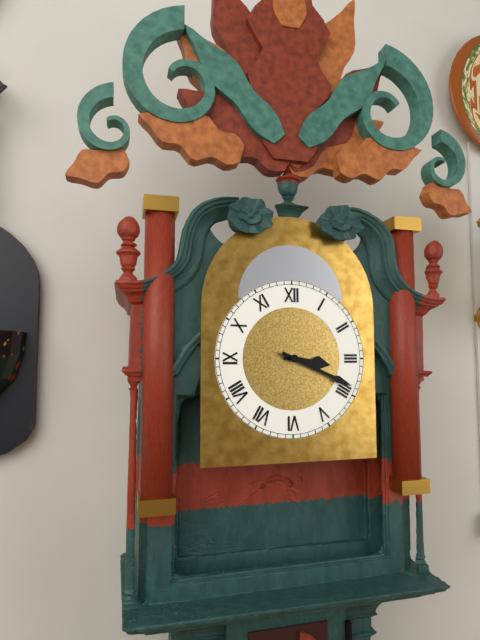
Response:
{"hour": 3, "minute": 19}
